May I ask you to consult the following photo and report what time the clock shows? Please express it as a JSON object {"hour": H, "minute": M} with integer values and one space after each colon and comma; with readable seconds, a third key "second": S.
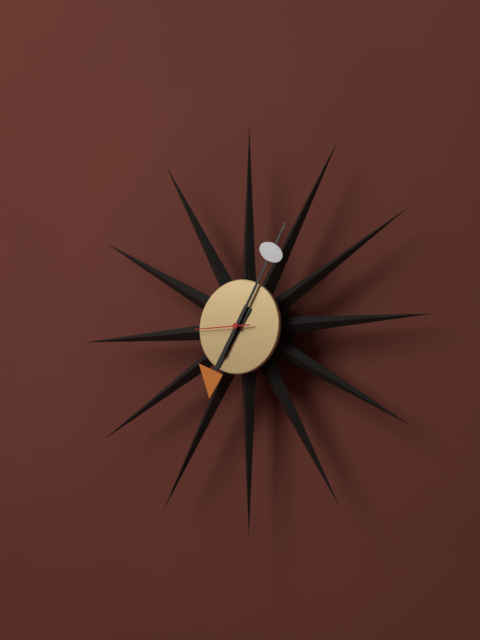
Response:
{"hour": 7, "minute": 5, "second": 45}
